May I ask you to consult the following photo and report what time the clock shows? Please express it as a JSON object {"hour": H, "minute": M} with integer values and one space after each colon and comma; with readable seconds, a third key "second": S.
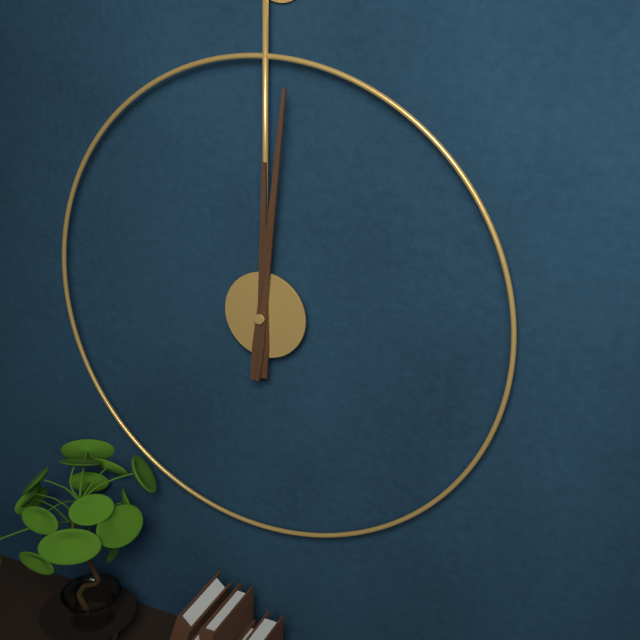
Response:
{"hour": 12, "minute": 1}
